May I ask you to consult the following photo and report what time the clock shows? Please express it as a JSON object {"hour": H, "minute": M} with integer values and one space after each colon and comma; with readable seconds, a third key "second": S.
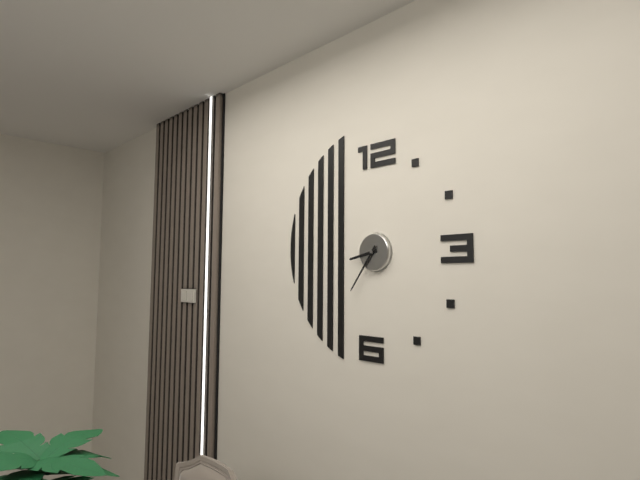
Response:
{"hour": 8, "minute": 36}
